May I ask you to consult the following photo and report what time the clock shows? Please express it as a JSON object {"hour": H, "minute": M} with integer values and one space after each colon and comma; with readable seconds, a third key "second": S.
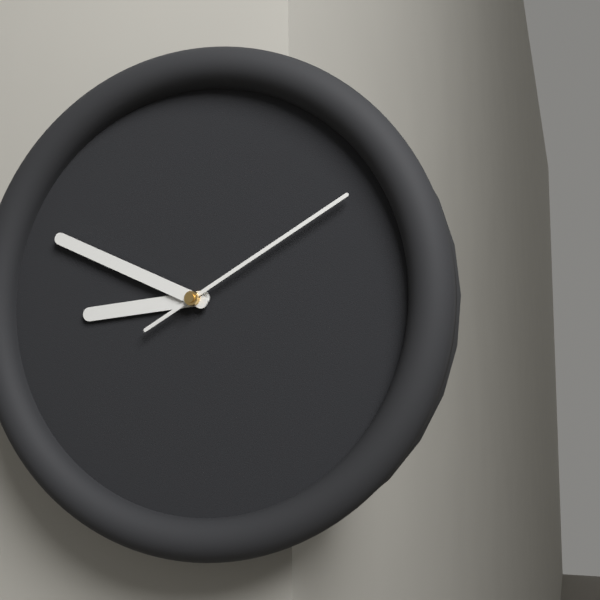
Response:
{"hour": 8, "minute": 49, "second": 10}
